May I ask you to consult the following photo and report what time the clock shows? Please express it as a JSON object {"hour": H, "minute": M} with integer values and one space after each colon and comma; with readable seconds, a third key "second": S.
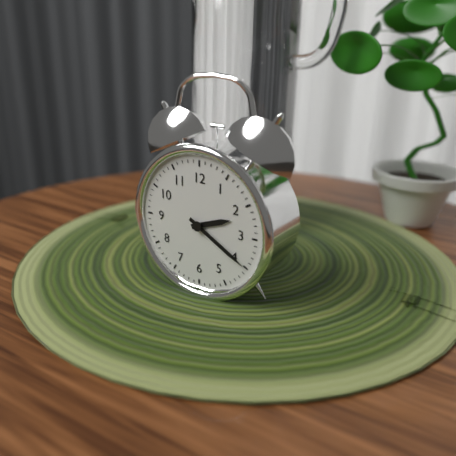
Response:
{"hour": 2, "minute": 20}
